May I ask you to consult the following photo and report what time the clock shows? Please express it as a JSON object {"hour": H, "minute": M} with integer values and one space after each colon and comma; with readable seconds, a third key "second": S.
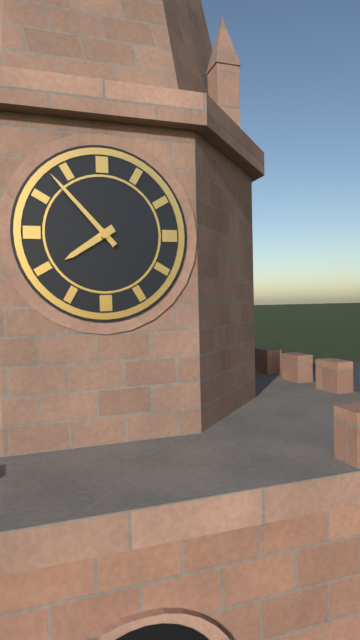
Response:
{"hour": 7, "minute": 53}
